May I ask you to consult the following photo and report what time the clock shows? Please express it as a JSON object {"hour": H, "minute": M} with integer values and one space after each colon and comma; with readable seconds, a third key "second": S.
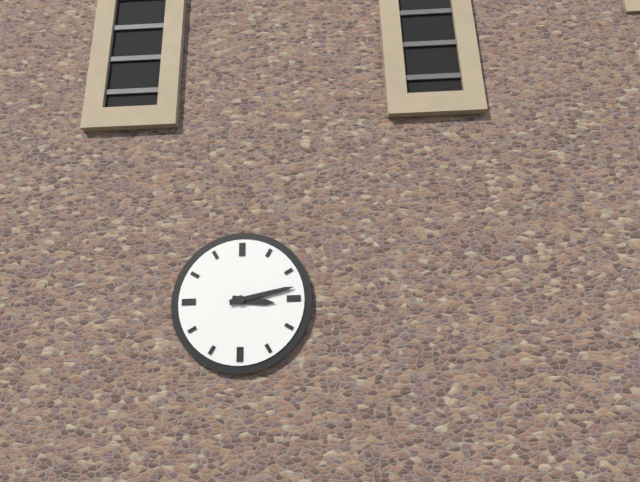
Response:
{"hour": 3, "minute": 13}
